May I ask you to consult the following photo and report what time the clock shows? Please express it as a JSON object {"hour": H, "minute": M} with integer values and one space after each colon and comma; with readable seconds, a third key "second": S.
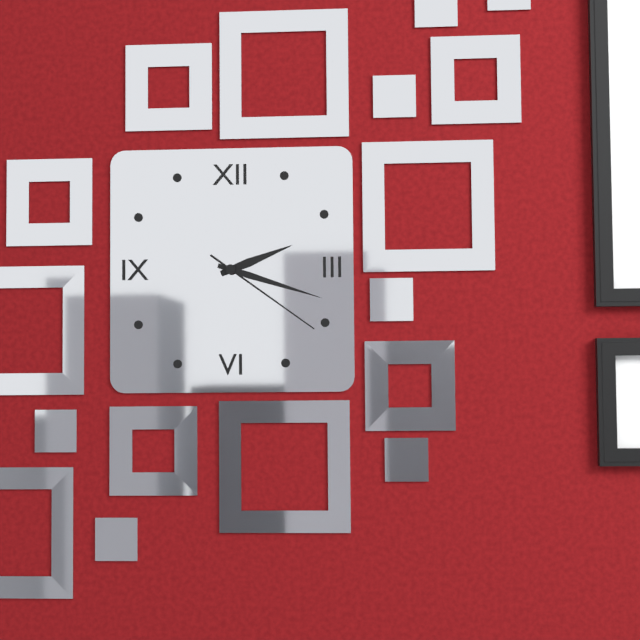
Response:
{"hour": 2, "minute": 18, "second": 21}
